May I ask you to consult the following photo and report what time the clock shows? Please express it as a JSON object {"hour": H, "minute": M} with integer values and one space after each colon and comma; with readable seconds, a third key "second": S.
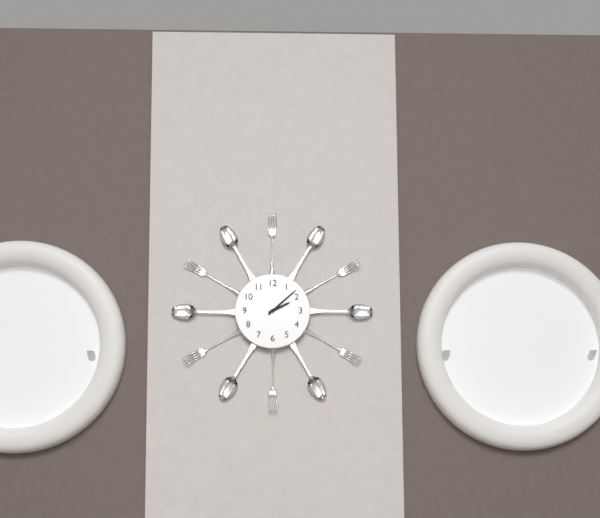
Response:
{"hour": 2, "minute": 8}
